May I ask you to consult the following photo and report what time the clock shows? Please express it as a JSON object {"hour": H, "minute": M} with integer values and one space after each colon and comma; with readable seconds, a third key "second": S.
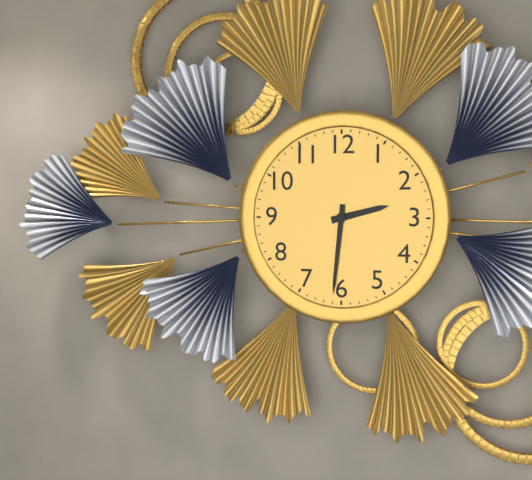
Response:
{"hour": 2, "minute": 31}
